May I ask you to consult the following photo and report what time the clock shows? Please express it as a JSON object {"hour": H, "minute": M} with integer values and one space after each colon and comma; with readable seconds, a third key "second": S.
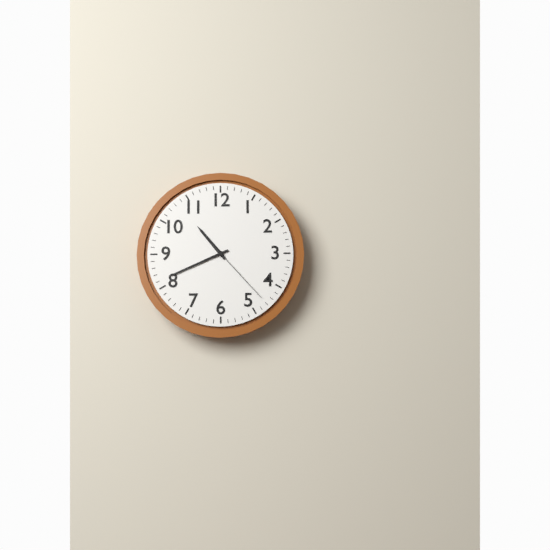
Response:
{"hour": 10, "minute": 41, "second": 23}
